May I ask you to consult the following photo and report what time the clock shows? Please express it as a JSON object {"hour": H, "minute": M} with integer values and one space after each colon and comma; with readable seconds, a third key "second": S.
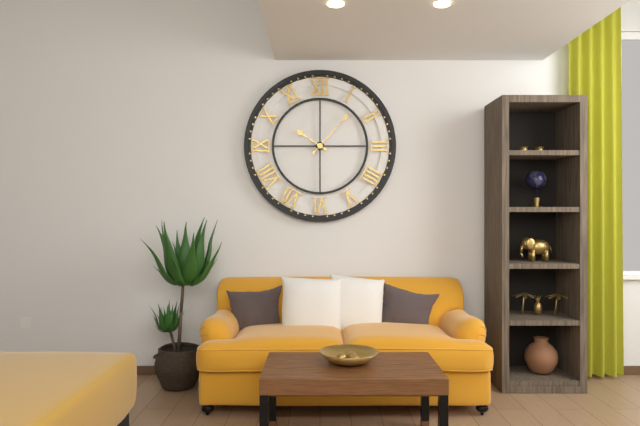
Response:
{"hour": 10, "minute": 7}
